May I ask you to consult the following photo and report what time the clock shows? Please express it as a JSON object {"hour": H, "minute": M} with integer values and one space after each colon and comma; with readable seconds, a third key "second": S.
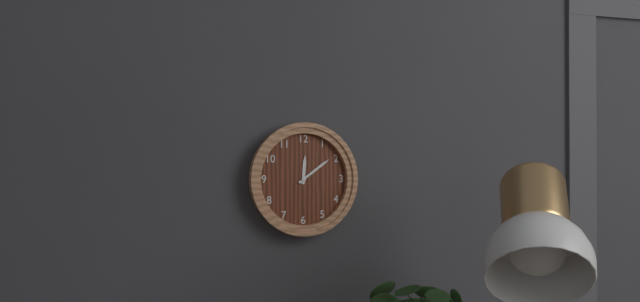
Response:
{"hour": 12, "minute": 9}
